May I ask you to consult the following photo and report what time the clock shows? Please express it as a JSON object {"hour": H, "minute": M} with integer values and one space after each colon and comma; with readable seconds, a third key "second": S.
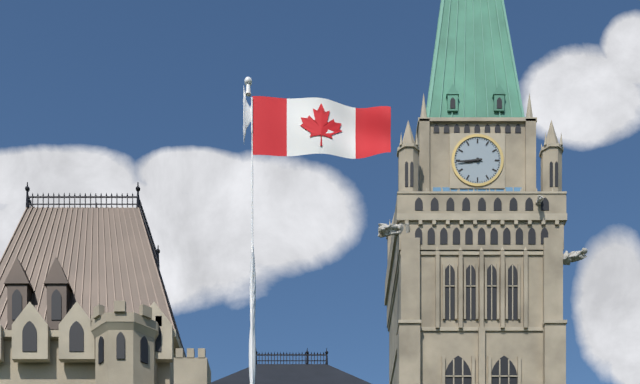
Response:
{"hour": 8, "minute": 44}
